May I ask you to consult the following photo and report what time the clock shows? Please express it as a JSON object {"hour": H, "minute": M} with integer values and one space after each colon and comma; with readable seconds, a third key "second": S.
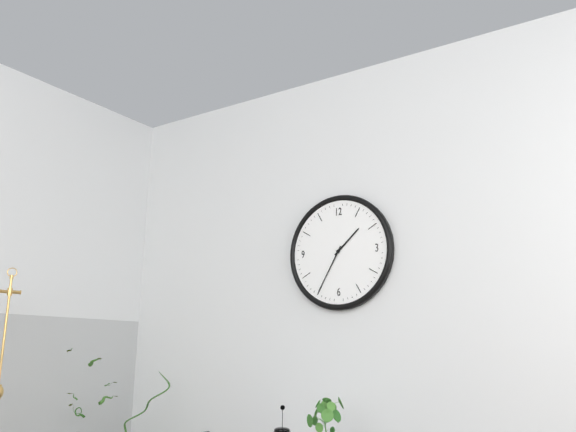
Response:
{"hour": 1, "minute": 35}
